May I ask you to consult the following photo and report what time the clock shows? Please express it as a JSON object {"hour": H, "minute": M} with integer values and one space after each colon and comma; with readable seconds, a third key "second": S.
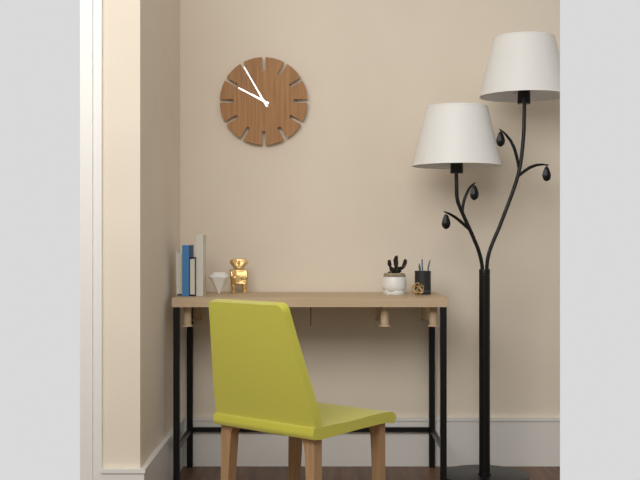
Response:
{"hour": 9, "minute": 55}
